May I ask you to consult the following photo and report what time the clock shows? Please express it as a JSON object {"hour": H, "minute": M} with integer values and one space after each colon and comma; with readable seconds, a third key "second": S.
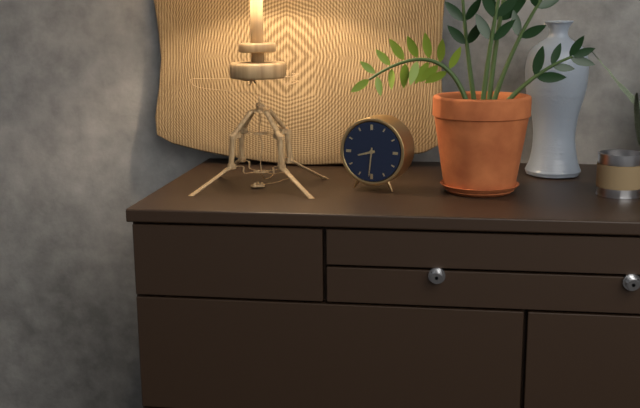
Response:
{"hour": 8, "minute": 31}
